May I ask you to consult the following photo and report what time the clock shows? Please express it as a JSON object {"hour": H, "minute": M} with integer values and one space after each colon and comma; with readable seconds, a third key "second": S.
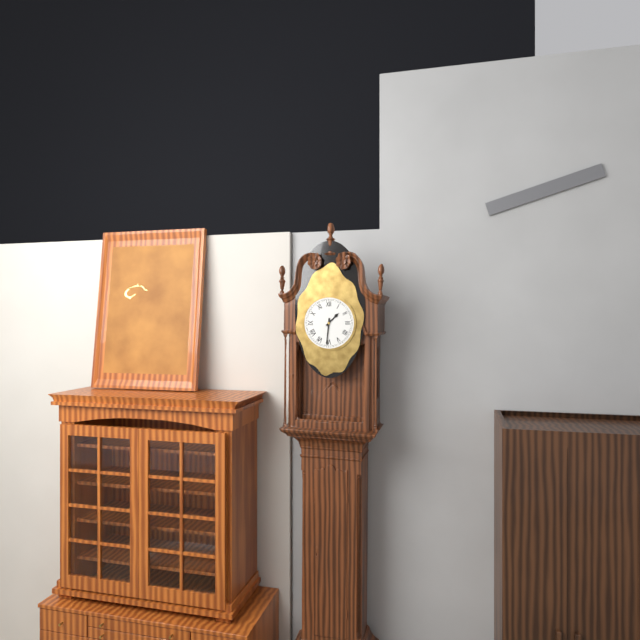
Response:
{"hour": 1, "minute": 31}
